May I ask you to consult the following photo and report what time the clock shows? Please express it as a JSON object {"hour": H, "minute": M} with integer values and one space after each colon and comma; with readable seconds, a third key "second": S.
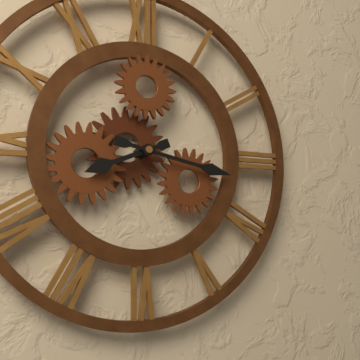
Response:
{"hour": 8, "minute": 17}
